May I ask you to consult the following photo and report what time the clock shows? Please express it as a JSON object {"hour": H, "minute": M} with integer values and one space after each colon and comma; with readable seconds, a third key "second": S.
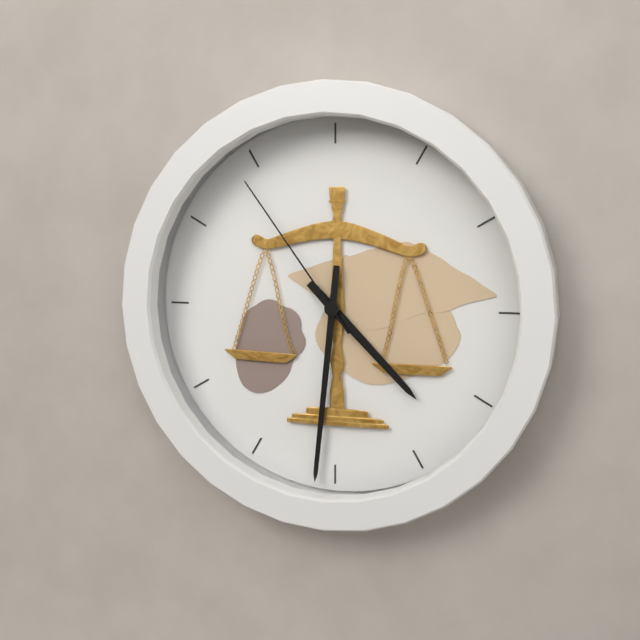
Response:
{"hour": 4, "minute": 31, "second": 54}
